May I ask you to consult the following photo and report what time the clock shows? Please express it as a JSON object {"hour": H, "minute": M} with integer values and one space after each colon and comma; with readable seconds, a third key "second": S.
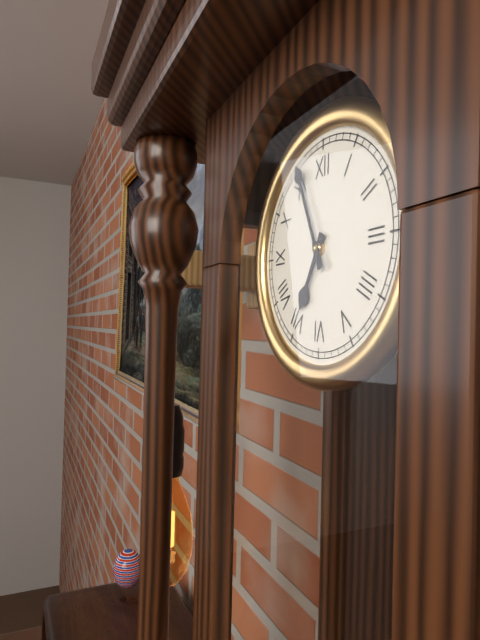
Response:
{"hour": 6, "minute": 56}
